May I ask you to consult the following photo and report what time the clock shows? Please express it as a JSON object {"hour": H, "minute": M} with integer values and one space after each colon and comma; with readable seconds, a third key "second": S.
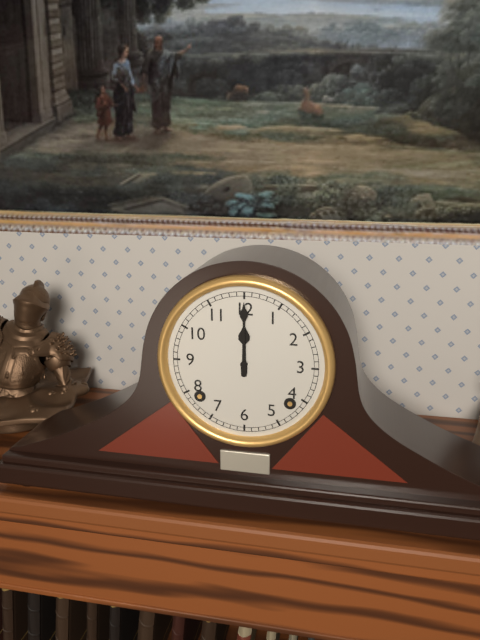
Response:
{"hour": 12, "minute": 0}
